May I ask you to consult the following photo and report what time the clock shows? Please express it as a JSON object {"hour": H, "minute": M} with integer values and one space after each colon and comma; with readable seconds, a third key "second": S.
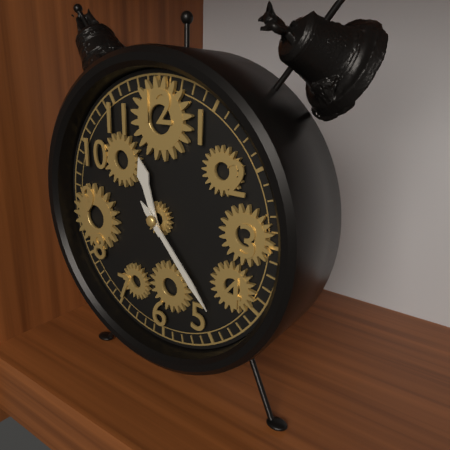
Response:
{"hour": 11, "minute": 23}
